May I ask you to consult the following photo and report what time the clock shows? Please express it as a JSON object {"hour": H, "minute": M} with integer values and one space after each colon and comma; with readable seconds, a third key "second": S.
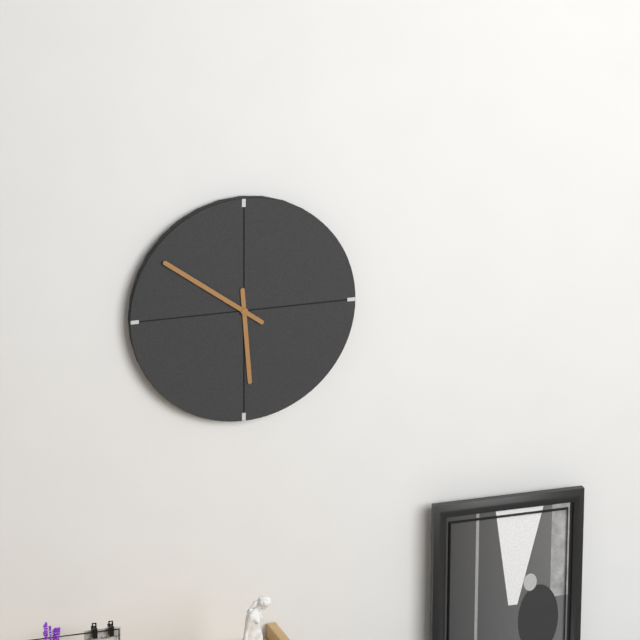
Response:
{"hour": 5, "minute": 51}
